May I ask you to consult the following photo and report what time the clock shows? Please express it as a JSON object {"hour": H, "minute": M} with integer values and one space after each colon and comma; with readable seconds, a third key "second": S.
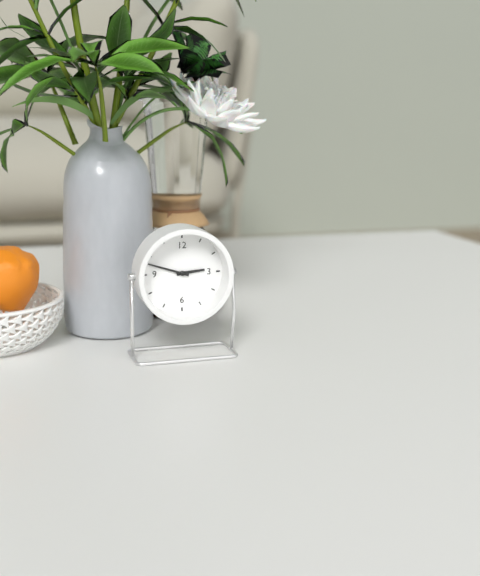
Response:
{"hour": 2, "minute": 48}
